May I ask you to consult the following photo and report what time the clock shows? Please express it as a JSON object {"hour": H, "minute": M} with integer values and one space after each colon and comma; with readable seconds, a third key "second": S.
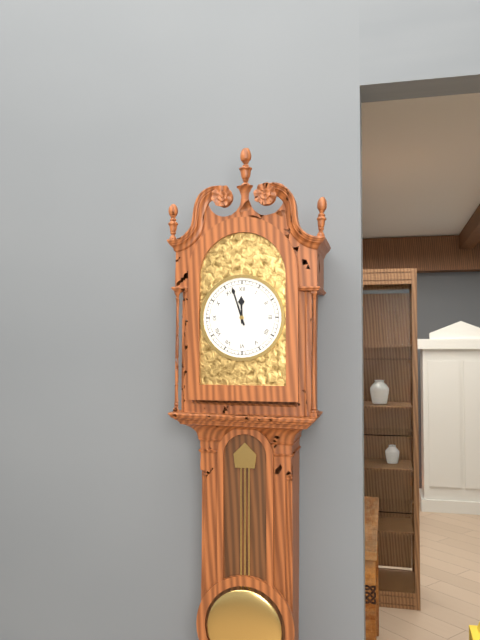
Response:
{"hour": 11, "minute": 57}
